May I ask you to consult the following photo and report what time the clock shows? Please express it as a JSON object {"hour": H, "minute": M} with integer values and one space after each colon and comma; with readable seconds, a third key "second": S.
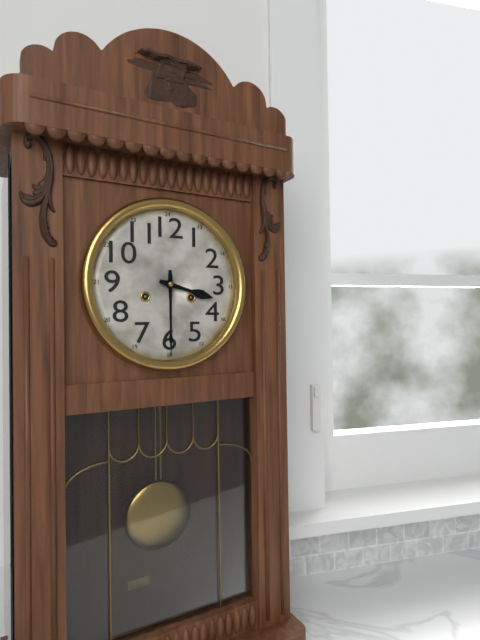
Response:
{"hour": 3, "minute": 30}
